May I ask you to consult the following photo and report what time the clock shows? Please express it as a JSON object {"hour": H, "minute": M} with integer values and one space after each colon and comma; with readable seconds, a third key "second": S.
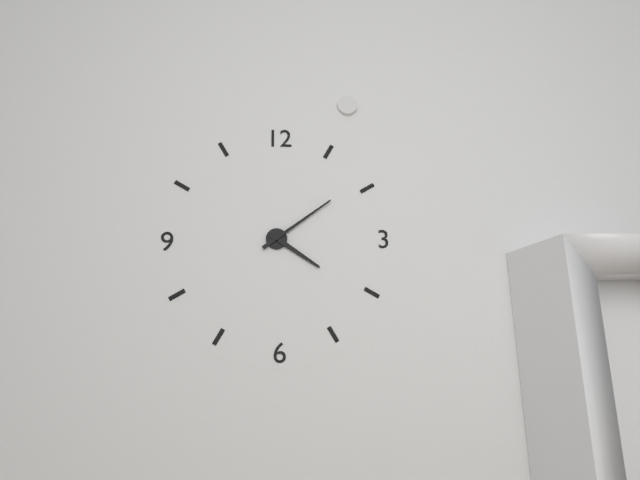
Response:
{"hour": 4, "minute": 9}
